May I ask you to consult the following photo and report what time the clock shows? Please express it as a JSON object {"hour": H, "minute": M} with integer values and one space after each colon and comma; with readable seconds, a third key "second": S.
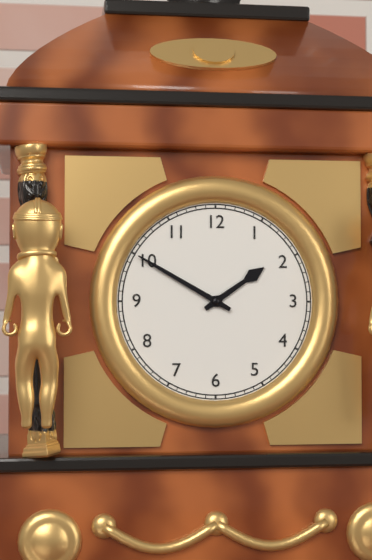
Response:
{"hour": 1, "minute": 50}
